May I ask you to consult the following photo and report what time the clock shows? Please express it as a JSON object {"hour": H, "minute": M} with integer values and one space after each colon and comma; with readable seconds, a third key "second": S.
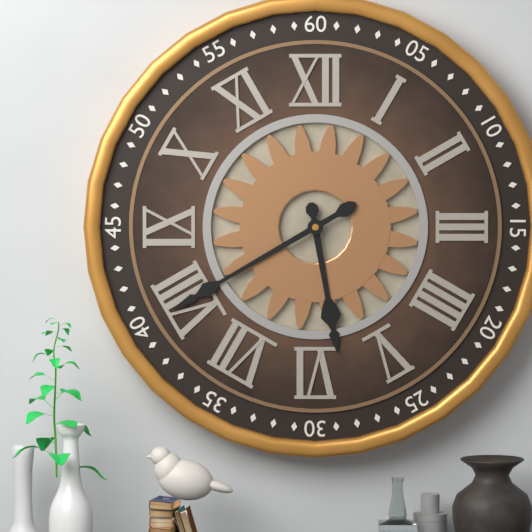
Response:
{"hour": 5, "minute": 40}
